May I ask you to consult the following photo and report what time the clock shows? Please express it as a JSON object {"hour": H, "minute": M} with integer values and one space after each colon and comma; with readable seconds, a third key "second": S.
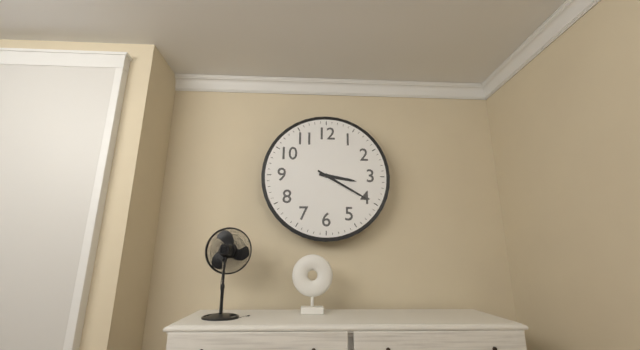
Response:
{"hour": 3, "minute": 20}
